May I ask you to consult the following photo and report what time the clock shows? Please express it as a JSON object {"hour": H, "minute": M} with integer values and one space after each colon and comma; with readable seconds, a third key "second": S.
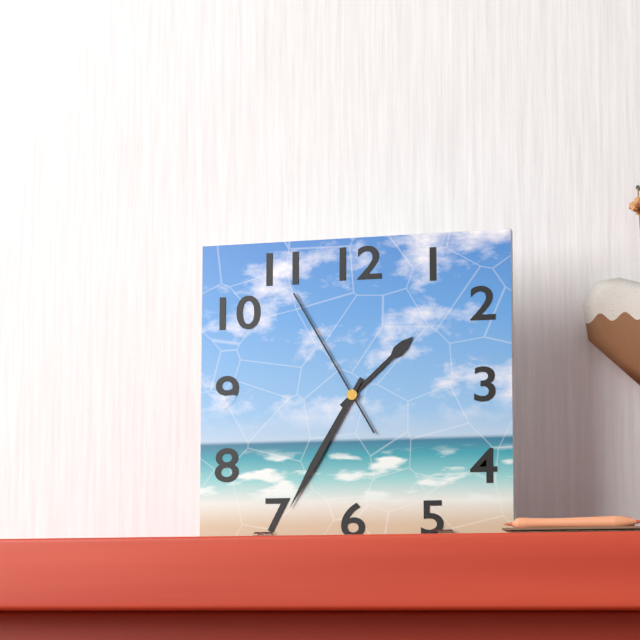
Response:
{"hour": 1, "minute": 35, "second": 55}
